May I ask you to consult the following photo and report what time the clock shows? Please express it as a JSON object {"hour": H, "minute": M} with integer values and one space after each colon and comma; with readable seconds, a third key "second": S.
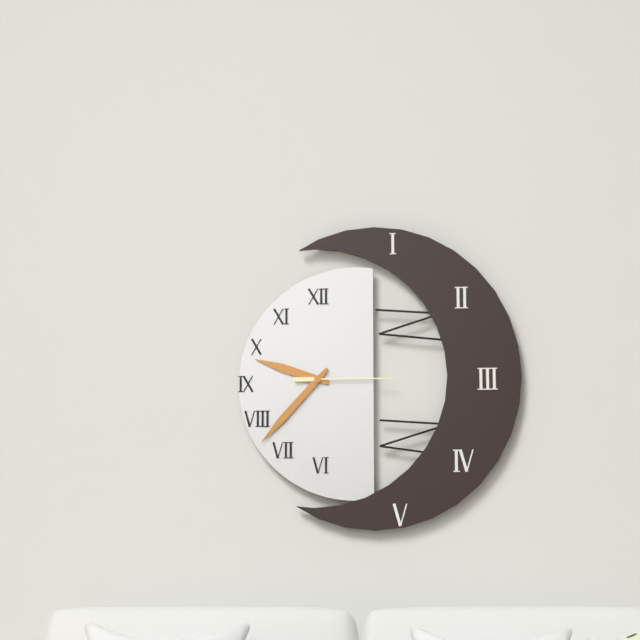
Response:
{"hour": 9, "minute": 37, "second": 15}
